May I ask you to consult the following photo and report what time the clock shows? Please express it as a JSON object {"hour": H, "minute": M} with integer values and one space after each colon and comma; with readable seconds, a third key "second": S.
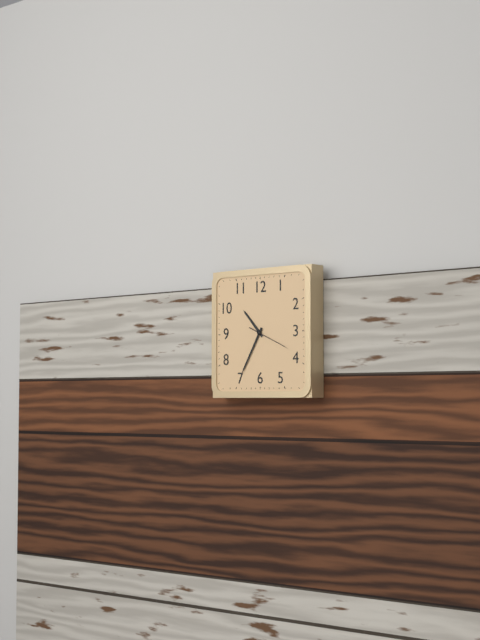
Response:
{"hour": 10, "minute": 35}
